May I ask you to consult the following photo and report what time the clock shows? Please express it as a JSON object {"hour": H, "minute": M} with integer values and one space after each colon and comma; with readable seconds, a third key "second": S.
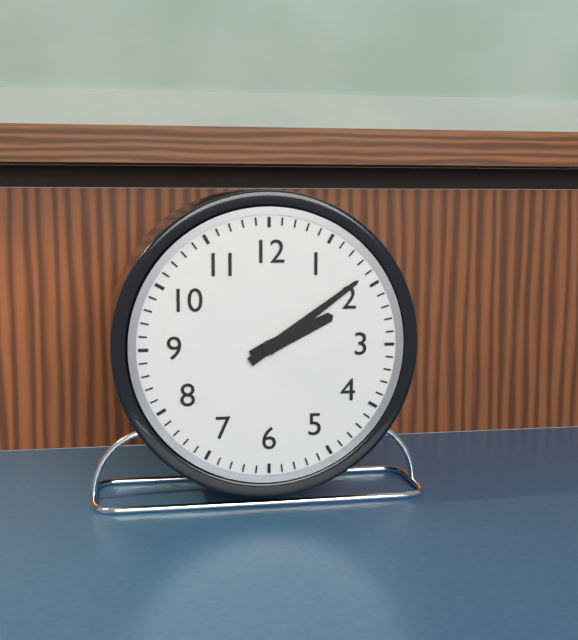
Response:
{"hour": 2, "minute": 9}
